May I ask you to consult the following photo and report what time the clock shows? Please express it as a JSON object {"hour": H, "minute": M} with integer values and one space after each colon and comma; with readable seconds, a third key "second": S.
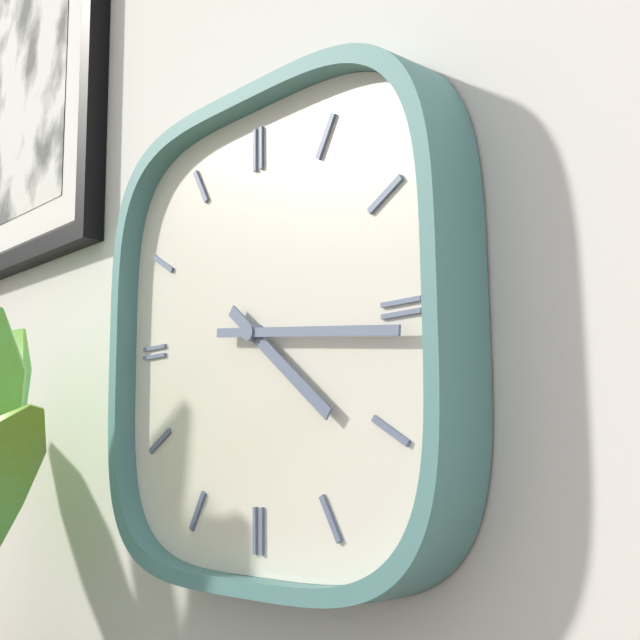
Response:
{"hour": 4, "minute": 16}
